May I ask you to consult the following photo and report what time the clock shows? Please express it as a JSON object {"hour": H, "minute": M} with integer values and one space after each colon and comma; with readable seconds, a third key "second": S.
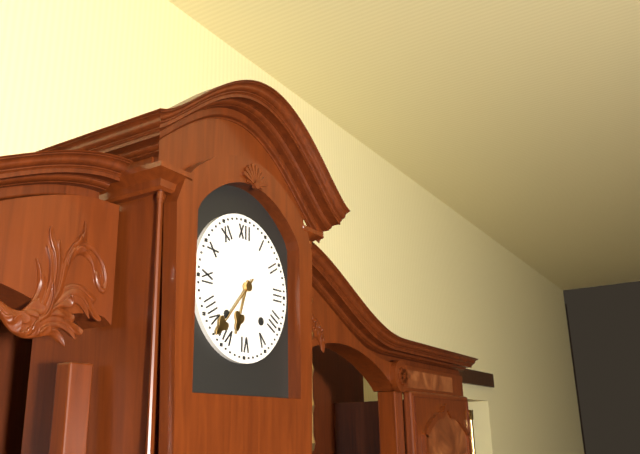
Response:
{"hour": 6, "minute": 37}
